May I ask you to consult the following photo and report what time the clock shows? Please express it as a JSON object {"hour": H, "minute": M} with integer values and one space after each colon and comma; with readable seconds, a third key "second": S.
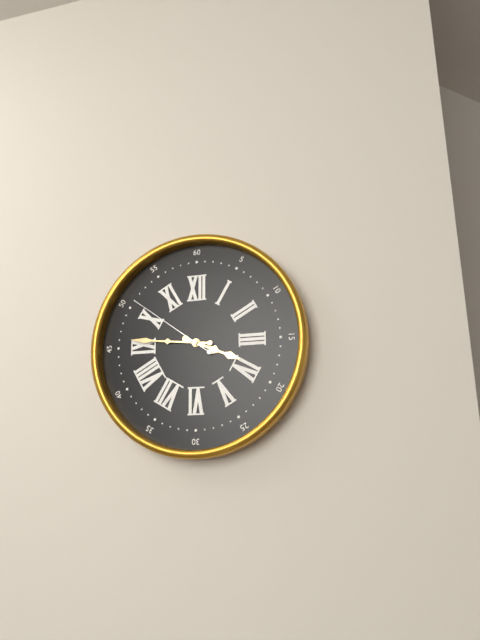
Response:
{"hour": 3, "minute": 46, "second": 51}
